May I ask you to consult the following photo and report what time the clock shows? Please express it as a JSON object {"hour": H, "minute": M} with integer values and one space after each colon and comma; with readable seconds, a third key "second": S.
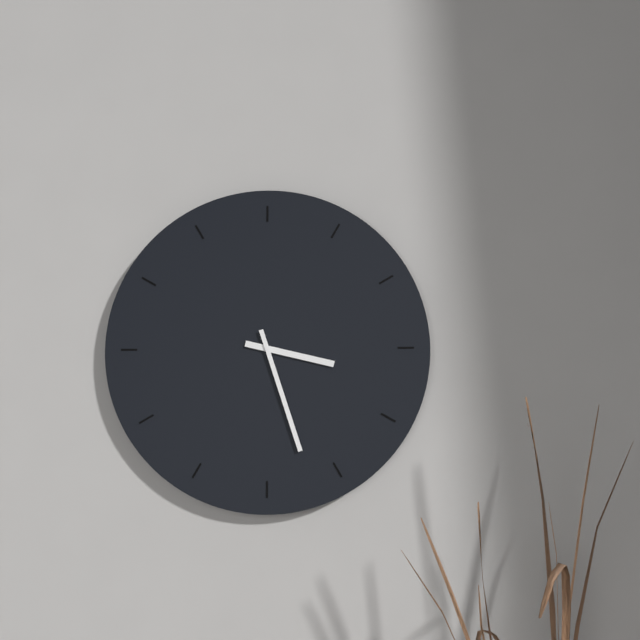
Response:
{"hour": 3, "minute": 27}
